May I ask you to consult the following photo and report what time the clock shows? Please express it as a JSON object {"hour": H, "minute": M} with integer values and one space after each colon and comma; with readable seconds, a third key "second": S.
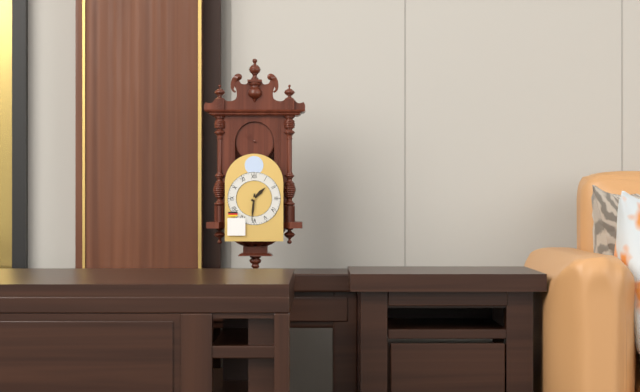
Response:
{"hour": 1, "minute": 31}
